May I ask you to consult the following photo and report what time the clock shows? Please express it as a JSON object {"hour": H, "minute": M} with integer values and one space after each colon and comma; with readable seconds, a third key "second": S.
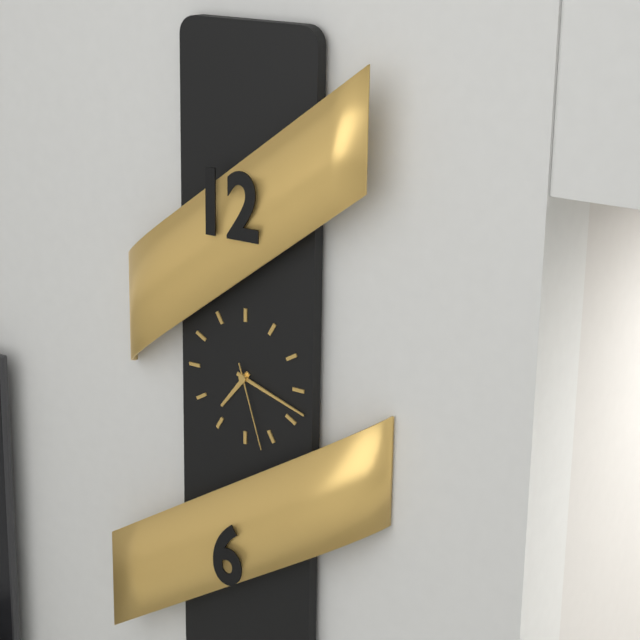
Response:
{"hour": 7, "minute": 18, "second": 27}
